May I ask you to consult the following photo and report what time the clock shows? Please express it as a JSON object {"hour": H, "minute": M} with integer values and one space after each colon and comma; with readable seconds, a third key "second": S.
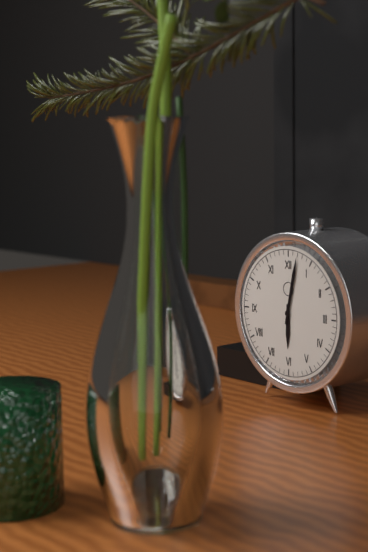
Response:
{"hour": 6, "minute": 2}
